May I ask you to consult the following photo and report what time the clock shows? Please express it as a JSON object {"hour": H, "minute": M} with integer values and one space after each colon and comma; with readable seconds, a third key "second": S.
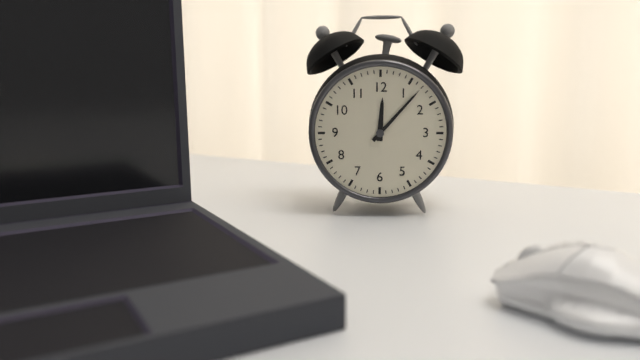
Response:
{"hour": 12, "minute": 7}
